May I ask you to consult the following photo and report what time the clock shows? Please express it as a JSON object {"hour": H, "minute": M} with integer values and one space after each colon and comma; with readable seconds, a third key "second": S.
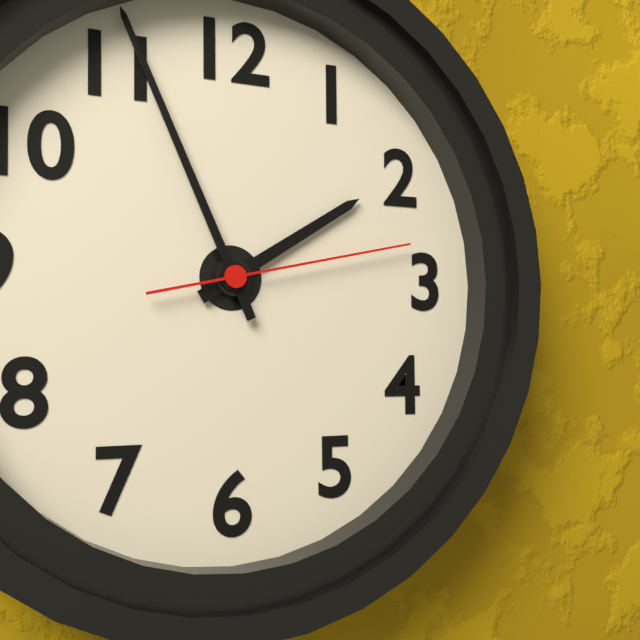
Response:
{"hour": 1, "minute": 56, "second": 13}
